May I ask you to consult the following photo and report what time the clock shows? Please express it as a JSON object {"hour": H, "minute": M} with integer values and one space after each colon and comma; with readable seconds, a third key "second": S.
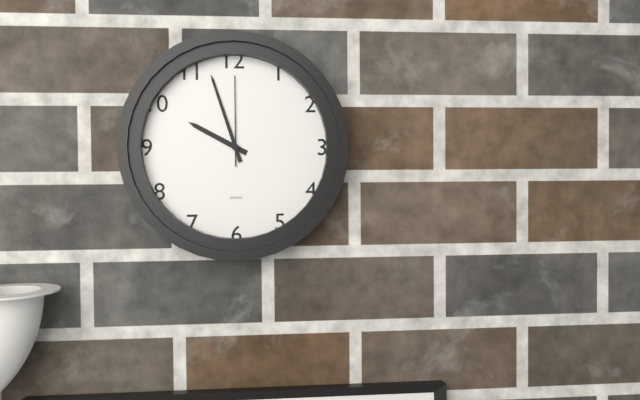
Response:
{"hour": 9, "minute": 57, "second": 0}
